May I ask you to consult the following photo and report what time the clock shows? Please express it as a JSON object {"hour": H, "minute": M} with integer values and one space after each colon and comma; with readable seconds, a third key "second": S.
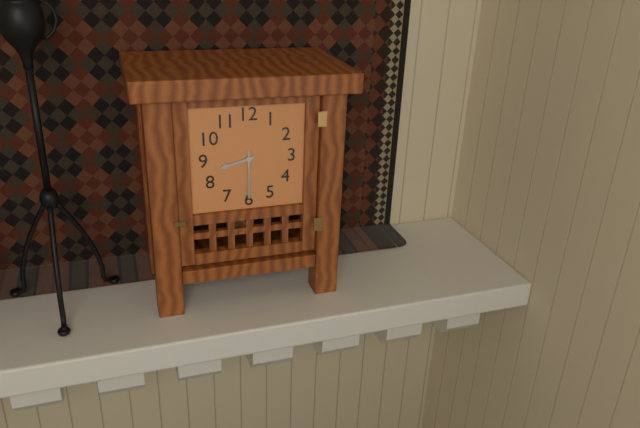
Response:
{"hour": 8, "minute": 30}
